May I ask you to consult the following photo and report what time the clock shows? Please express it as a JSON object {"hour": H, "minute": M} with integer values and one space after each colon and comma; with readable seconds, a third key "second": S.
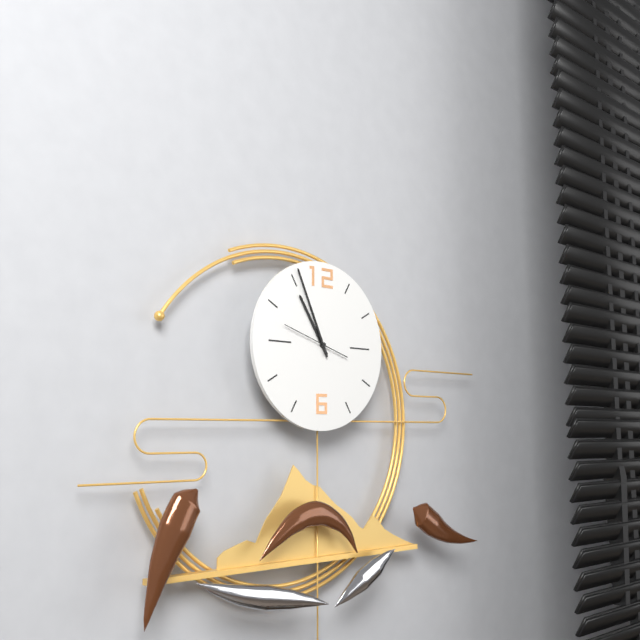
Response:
{"hour": 10, "minute": 56}
